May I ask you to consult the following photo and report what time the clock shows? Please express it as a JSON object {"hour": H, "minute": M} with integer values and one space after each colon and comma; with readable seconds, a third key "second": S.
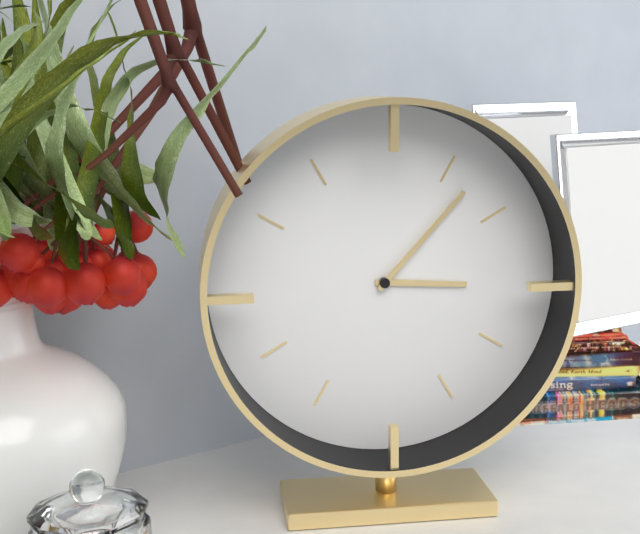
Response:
{"hour": 3, "minute": 7}
